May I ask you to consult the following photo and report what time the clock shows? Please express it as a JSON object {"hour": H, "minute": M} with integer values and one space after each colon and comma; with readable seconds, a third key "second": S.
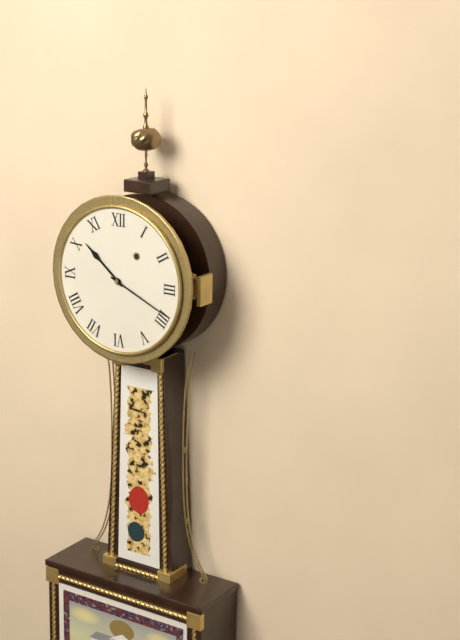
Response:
{"hour": 10, "minute": 19}
